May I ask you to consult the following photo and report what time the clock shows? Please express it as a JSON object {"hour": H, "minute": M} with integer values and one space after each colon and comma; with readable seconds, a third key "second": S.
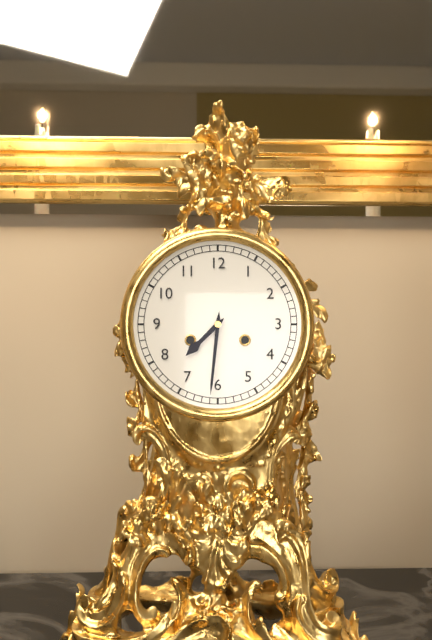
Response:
{"hour": 7, "minute": 31}
